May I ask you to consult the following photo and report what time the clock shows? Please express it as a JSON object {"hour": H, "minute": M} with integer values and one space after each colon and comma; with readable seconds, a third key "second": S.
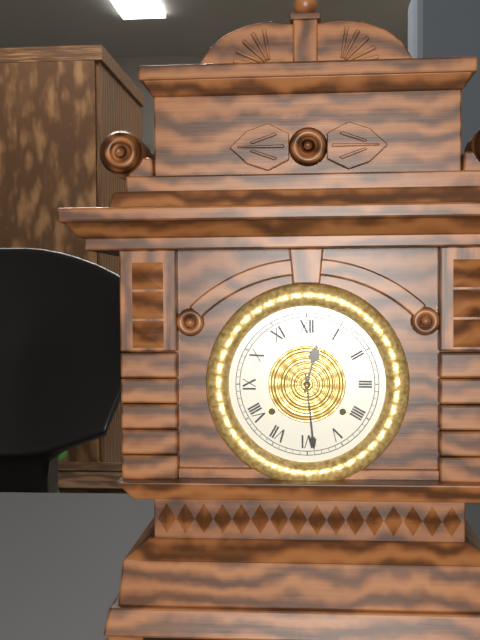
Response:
{"hour": 12, "minute": 29}
